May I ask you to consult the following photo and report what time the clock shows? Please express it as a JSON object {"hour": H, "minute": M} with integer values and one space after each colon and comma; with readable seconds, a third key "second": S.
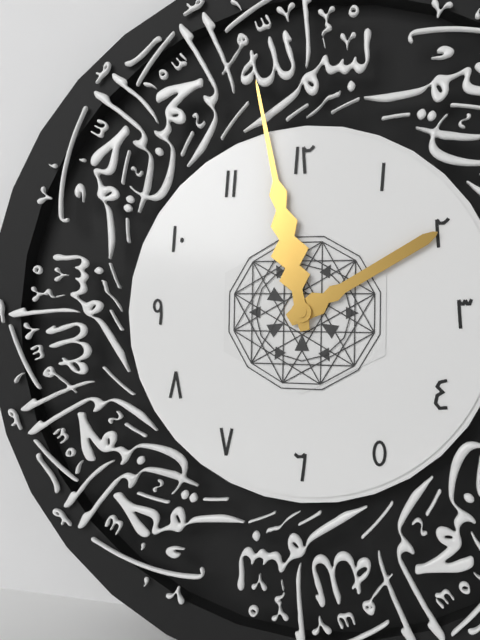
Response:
{"hour": 1, "minute": 58}
